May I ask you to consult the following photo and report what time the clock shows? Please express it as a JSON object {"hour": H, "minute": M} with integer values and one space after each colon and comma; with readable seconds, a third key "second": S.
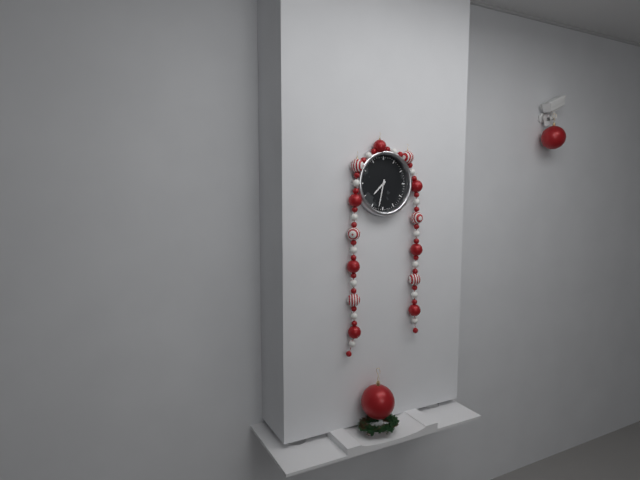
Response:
{"hour": 7, "minute": 32}
